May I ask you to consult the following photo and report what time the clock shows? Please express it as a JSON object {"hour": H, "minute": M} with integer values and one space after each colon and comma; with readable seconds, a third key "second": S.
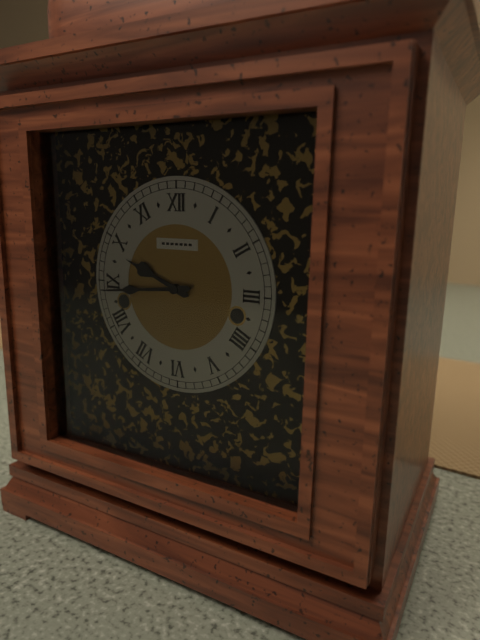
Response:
{"hour": 9, "minute": 44}
